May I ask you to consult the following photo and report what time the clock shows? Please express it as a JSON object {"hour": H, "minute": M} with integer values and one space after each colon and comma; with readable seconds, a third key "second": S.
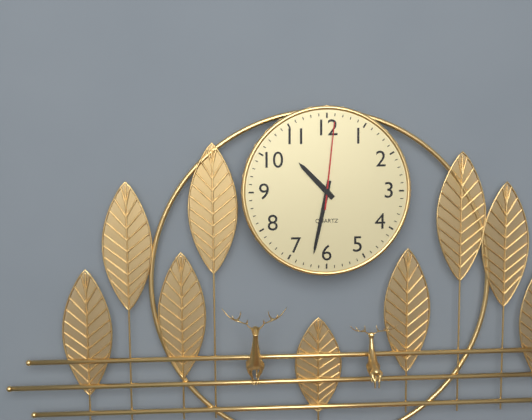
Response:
{"hour": 10, "minute": 32, "second": 1}
